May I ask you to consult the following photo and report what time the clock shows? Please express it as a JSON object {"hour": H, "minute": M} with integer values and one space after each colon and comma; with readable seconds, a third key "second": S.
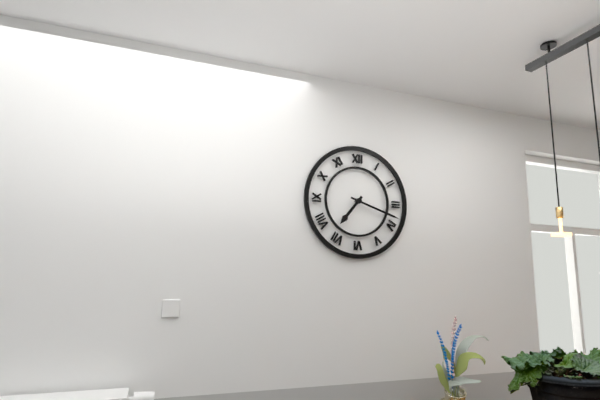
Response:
{"hour": 7, "minute": 18}
